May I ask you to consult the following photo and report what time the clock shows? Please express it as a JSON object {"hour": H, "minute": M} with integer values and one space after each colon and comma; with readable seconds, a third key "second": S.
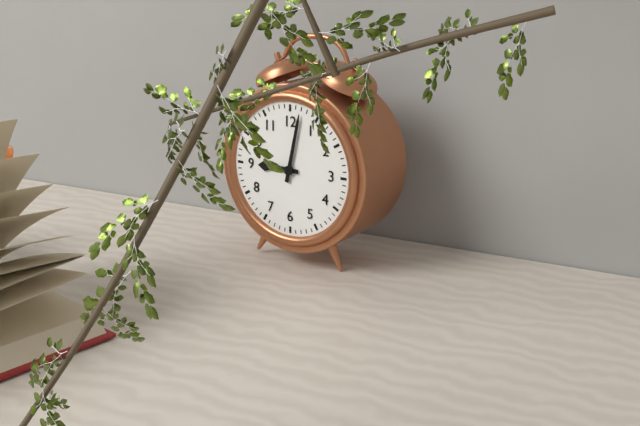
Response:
{"hour": 9, "minute": 2}
